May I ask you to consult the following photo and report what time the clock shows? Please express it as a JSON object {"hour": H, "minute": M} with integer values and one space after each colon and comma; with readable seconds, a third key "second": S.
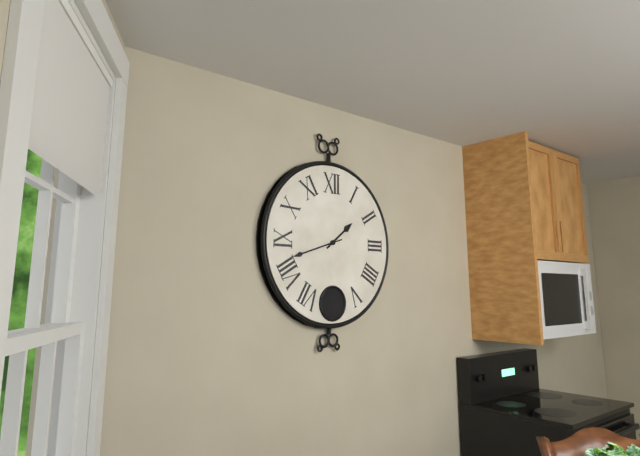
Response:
{"hour": 1, "minute": 42}
